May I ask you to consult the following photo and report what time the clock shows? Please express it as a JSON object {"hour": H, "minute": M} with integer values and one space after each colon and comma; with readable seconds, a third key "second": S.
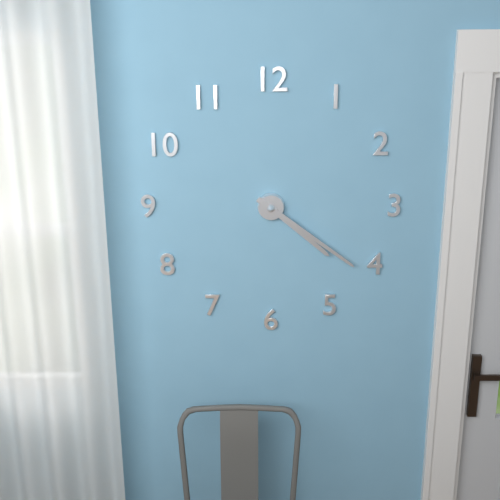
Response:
{"hour": 4, "minute": 21}
